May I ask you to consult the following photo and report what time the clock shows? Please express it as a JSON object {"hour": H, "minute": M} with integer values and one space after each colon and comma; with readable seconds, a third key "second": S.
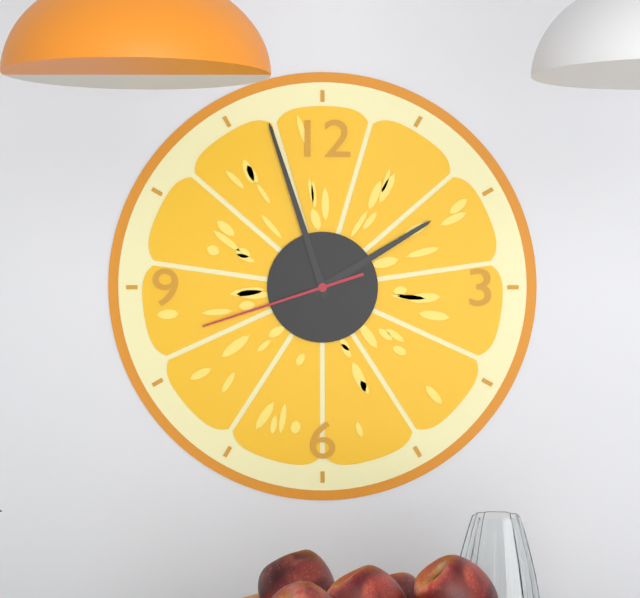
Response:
{"hour": 1, "minute": 57, "second": 42}
